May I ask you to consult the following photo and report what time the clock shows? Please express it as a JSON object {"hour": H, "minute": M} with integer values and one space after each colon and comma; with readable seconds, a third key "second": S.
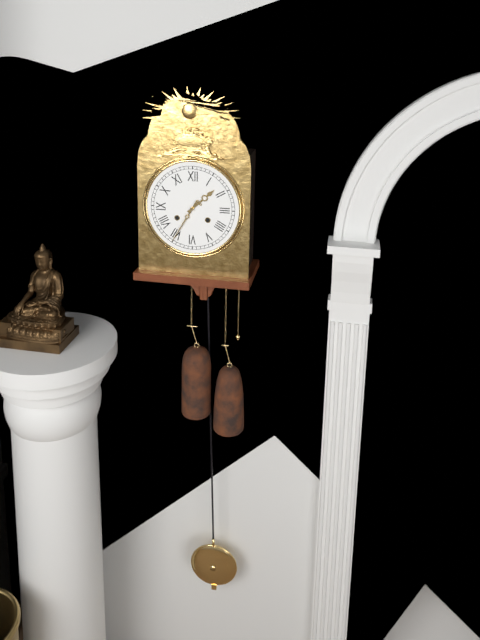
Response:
{"hour": 1, "minute": 35}
